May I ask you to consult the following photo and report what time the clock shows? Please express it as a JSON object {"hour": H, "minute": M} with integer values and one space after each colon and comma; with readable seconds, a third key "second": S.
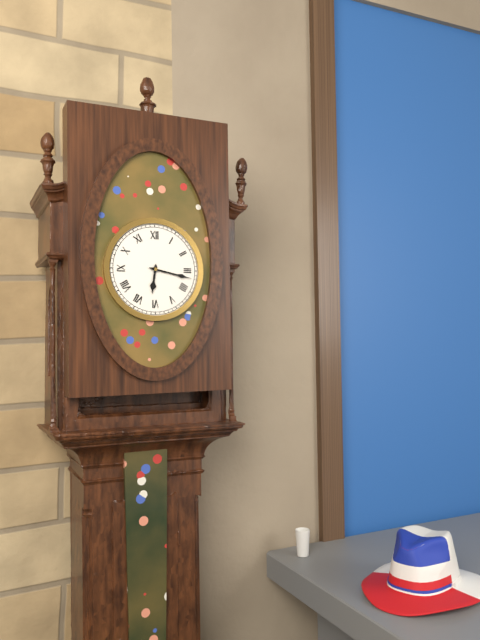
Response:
{"hour": 6, "minute": 17}
